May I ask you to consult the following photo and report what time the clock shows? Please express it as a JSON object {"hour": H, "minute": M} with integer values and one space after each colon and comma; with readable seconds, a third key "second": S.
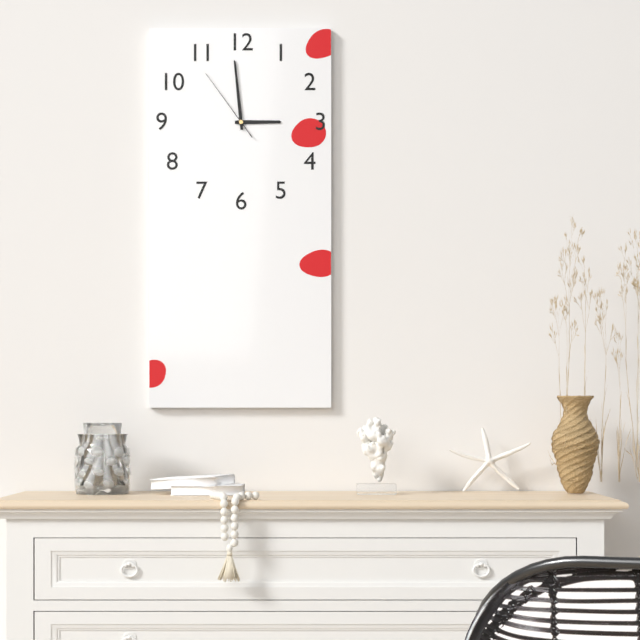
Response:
{"hour": 2, "minute": 59, "second": 54}
